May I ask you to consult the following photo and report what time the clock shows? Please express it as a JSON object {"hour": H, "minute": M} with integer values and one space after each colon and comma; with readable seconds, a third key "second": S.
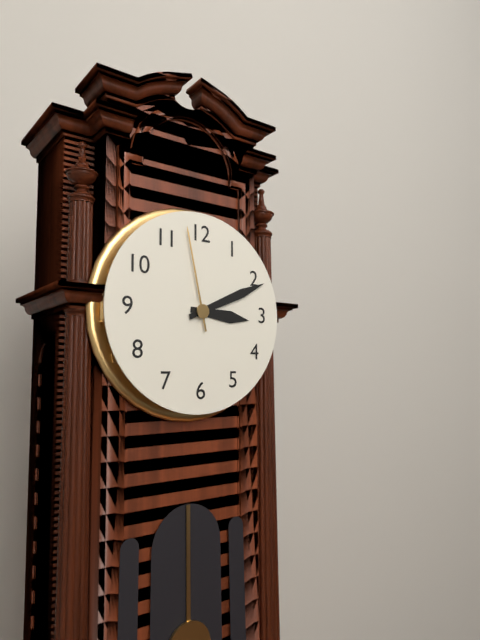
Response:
{"hour": 3, "minute": 11, "second": 58}
